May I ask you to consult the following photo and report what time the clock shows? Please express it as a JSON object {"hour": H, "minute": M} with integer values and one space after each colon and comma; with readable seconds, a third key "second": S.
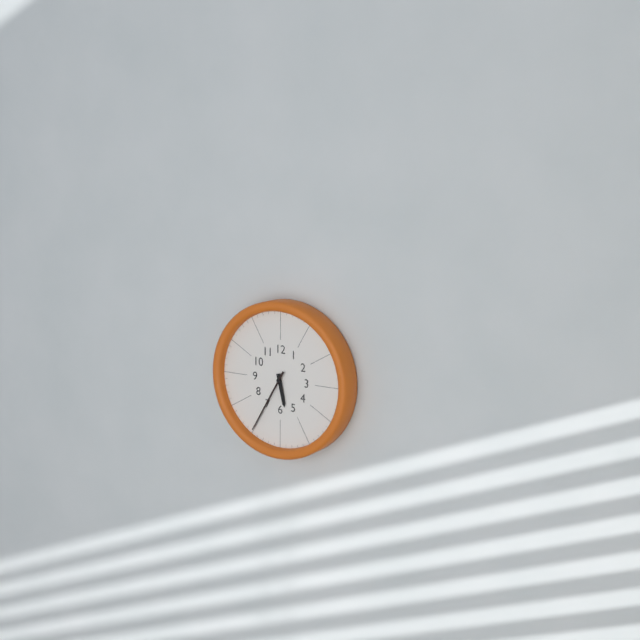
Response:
{"hour": 5, "minute": 35}
